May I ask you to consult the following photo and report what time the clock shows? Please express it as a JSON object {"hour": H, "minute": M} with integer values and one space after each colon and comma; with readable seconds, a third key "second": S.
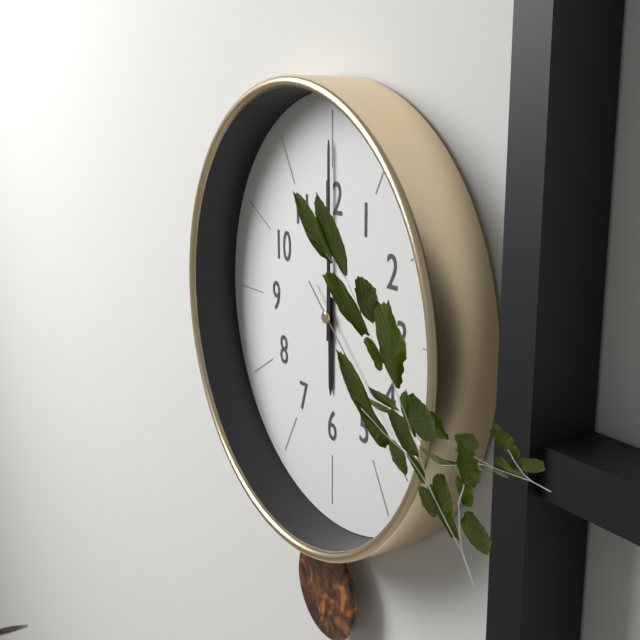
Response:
{"hour": 6, "minute": 0, "second": 22}
